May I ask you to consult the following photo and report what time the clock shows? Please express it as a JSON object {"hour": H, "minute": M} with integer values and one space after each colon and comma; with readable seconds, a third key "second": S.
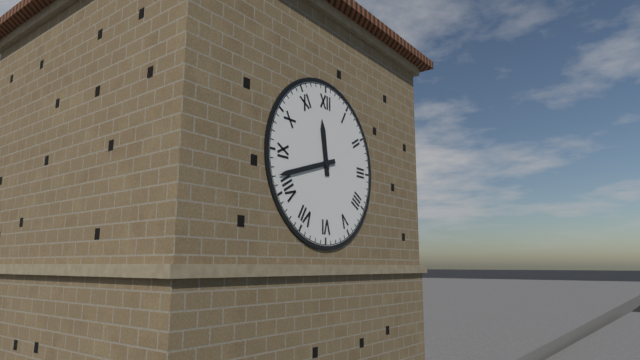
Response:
{"hour": 11, "minute": 42}
